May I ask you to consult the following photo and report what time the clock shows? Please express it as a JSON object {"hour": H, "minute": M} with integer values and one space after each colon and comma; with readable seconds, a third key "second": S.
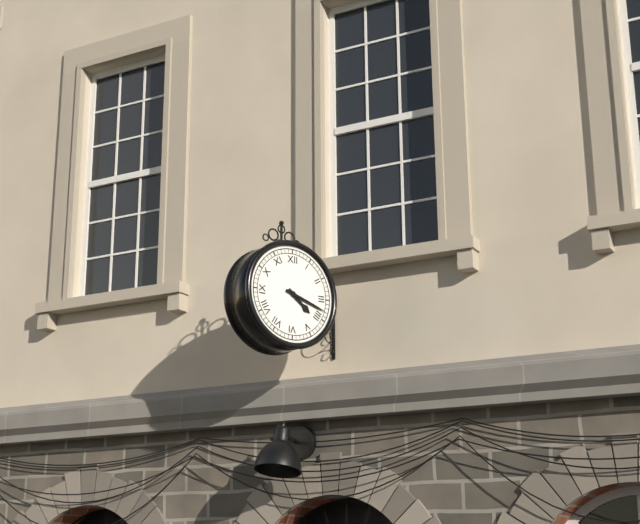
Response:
{"hour": 4, "minute": 18}
